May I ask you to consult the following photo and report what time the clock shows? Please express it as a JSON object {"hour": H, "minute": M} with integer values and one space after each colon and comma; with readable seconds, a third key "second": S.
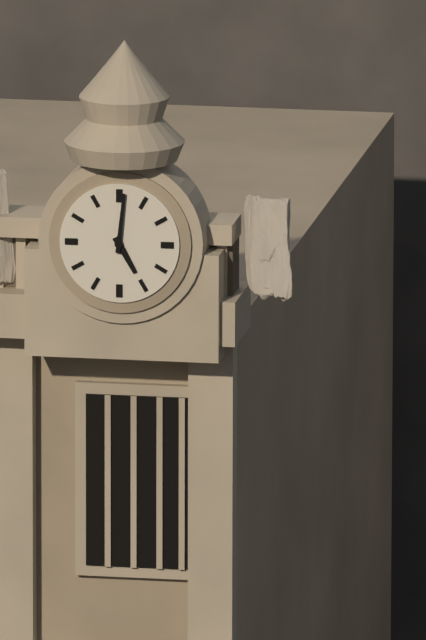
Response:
{"hour": 5, "minute": 1}
